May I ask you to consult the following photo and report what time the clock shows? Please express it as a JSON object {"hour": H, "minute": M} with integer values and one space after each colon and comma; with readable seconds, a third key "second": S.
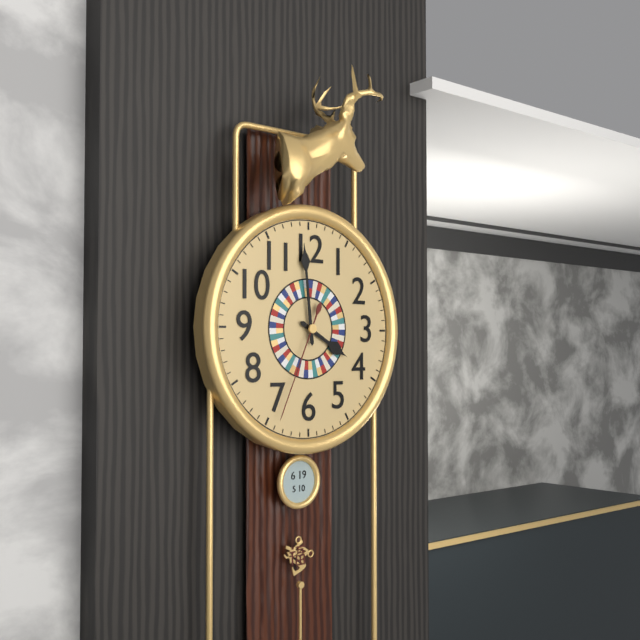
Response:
{"hour": 3, "minute": 59, "second": 34}
